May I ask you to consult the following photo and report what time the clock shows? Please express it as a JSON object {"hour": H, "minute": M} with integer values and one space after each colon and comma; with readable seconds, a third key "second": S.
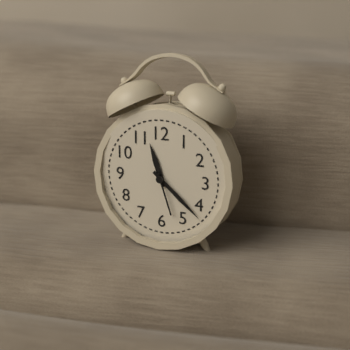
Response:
{"hour": 11, "minute": 22}
